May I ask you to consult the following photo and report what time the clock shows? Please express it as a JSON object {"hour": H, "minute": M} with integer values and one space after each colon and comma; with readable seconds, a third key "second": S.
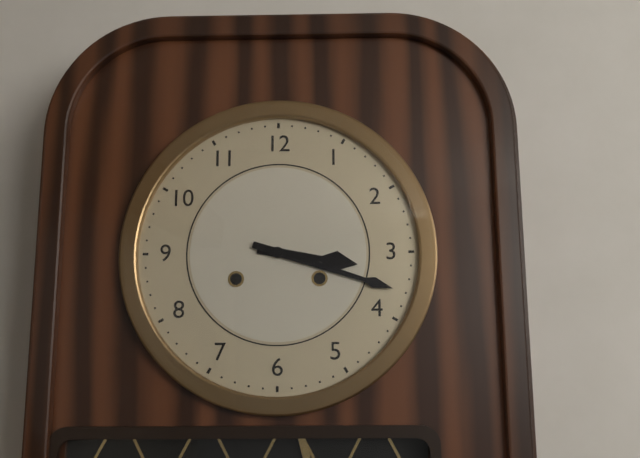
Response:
{"hour": 3, "minute": 18}
